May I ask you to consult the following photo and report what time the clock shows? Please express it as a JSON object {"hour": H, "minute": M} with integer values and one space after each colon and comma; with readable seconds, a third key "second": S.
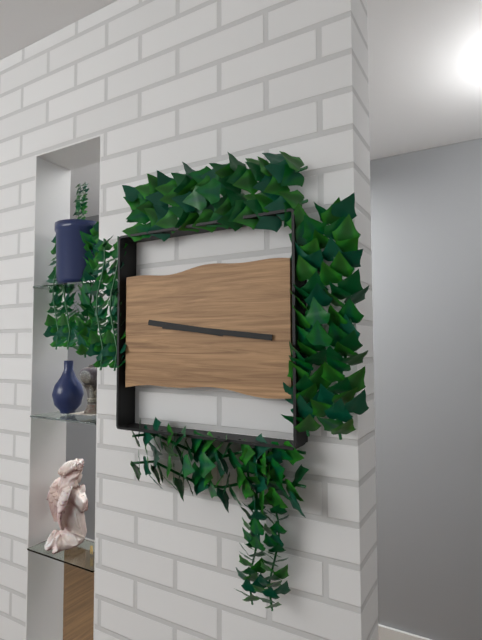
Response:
{"hour": 9, "minute": 16}
